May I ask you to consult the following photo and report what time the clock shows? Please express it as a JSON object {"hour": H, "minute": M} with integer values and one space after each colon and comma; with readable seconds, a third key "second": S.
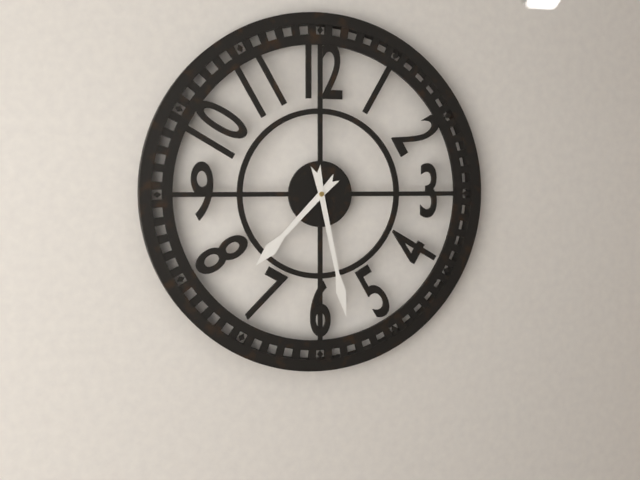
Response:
{"hour": 7, "minute": 28}
